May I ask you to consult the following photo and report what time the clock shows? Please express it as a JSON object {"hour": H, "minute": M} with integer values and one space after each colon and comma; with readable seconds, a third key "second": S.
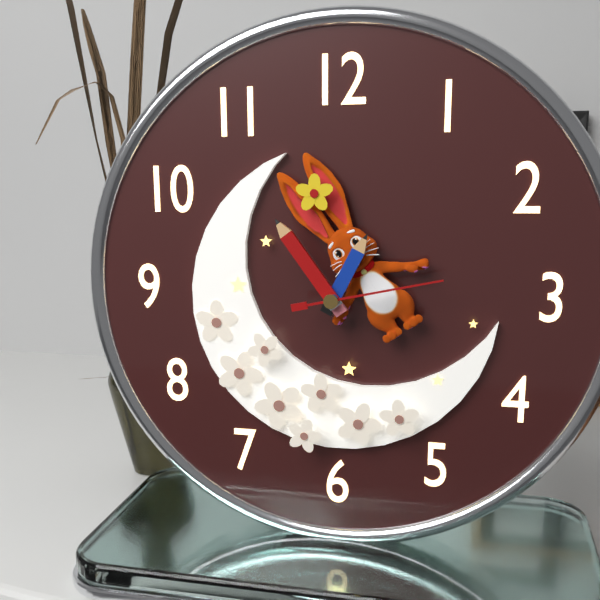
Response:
{"hour": 12, "minute": 54, "second": 13}
